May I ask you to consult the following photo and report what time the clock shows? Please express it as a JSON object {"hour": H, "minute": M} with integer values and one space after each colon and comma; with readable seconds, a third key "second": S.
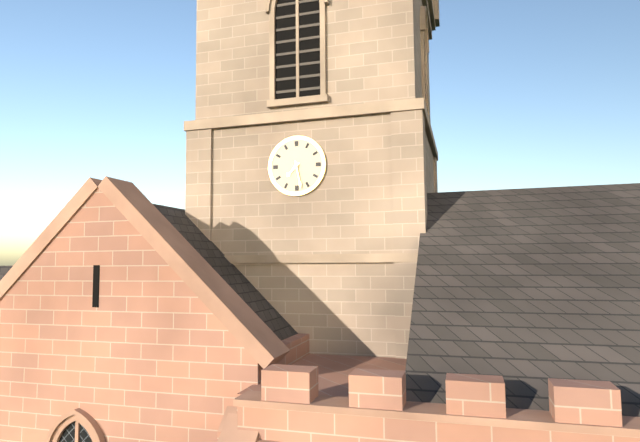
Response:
{"hour": 7, "minute": 28}
